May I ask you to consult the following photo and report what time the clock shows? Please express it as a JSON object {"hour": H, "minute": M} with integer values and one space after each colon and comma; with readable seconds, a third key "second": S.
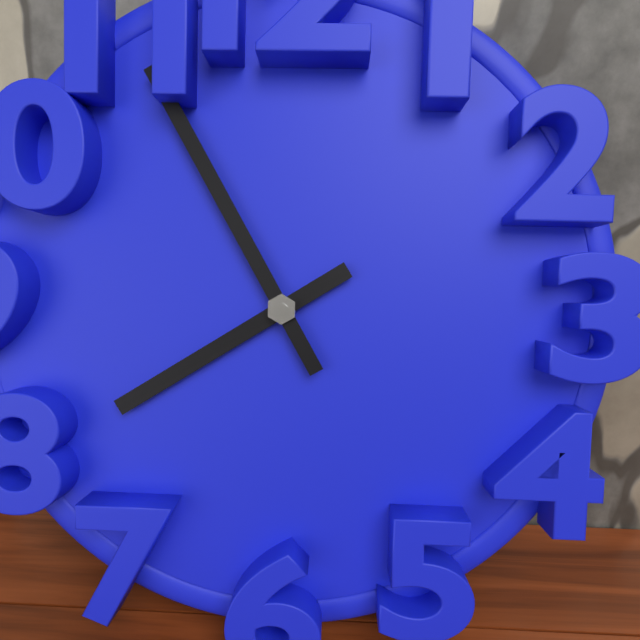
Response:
{"hour": 7, "minute": 55}
